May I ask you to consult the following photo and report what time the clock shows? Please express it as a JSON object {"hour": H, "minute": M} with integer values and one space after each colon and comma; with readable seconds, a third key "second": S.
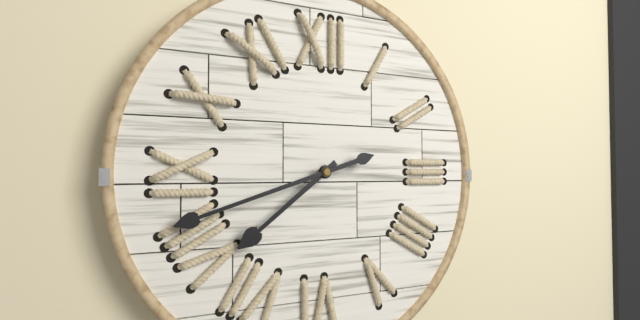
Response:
{"hour": 7, "minute": 42}
